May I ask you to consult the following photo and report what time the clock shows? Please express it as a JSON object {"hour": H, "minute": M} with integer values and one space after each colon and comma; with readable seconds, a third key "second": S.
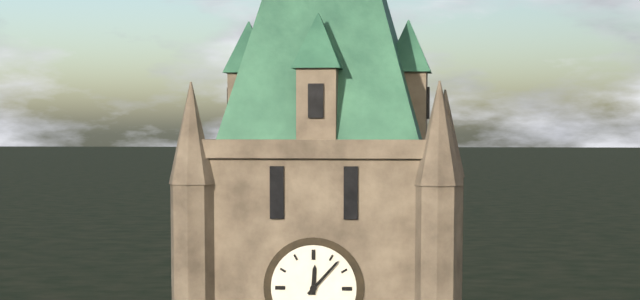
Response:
{"hour": 12, "minute": 7}
